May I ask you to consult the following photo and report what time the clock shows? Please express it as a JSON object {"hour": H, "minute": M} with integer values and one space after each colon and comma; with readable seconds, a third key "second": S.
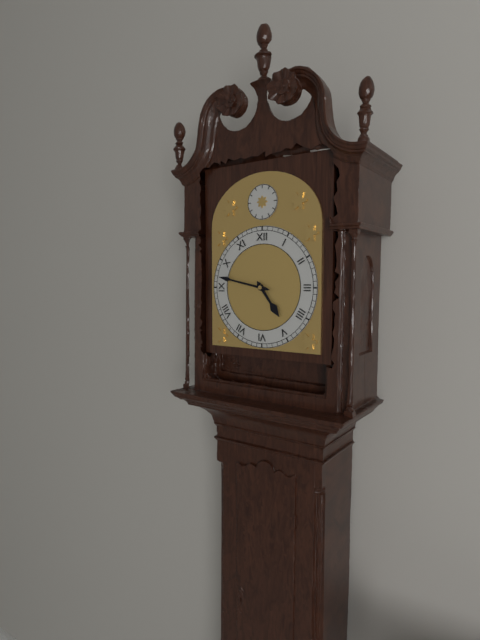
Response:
{"hour": 4, "minute": 47}
